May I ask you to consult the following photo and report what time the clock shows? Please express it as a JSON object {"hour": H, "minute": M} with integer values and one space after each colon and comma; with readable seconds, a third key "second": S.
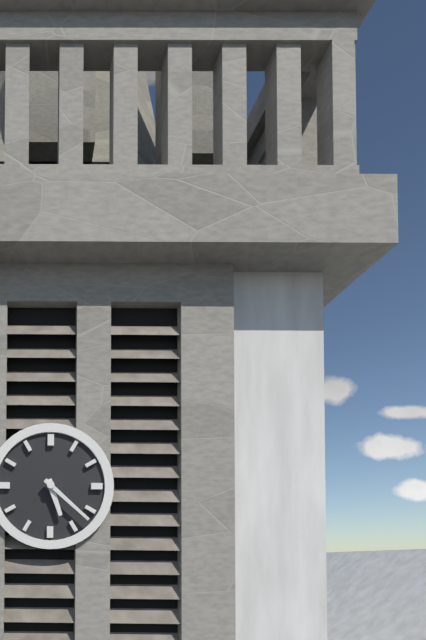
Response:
{"hour": 5, "minute": 22}
